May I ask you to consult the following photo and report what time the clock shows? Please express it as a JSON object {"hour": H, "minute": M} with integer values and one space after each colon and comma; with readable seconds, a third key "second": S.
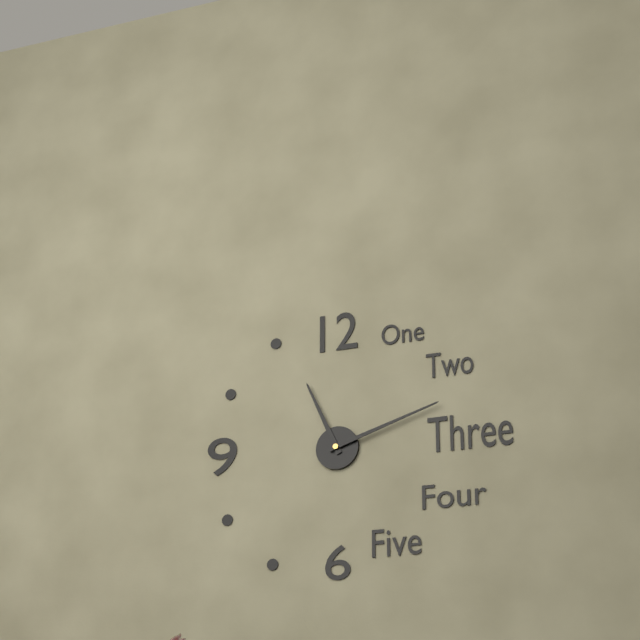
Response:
{"hour": 11, "minute": 12}
